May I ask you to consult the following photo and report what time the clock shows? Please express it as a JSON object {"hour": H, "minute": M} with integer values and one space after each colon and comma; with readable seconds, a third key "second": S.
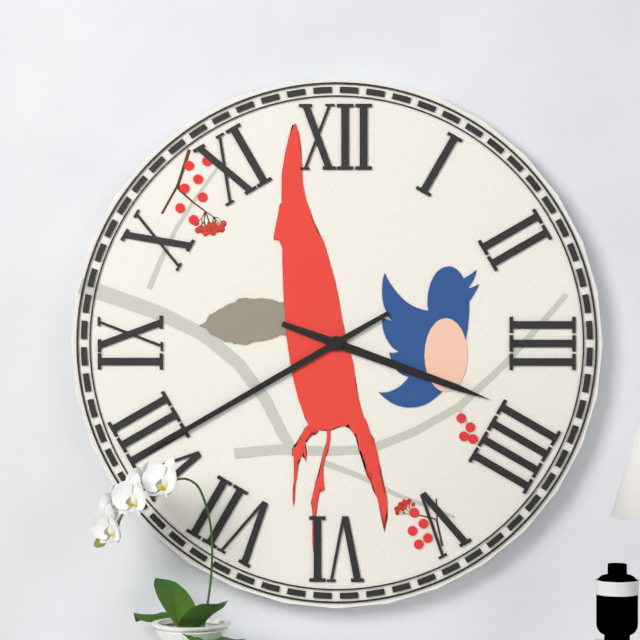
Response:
{"hour": 3, "minute": 40}
